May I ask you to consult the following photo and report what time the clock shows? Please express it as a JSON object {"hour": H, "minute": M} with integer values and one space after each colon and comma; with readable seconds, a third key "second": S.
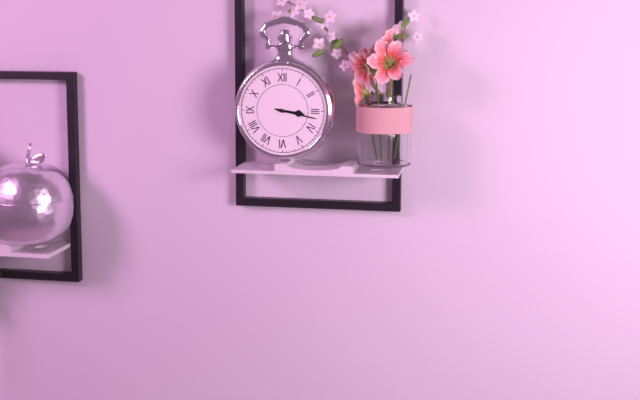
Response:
{"hour": 3, "minute": 17}
